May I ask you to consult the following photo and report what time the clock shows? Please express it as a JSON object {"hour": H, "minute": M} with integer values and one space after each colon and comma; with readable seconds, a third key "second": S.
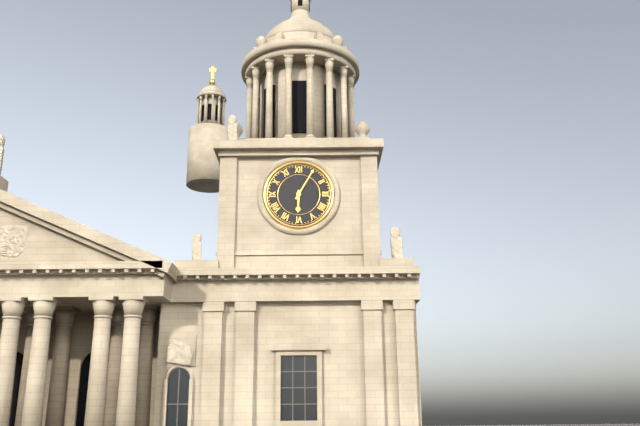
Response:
{"hour": 6, "minute": 5}
